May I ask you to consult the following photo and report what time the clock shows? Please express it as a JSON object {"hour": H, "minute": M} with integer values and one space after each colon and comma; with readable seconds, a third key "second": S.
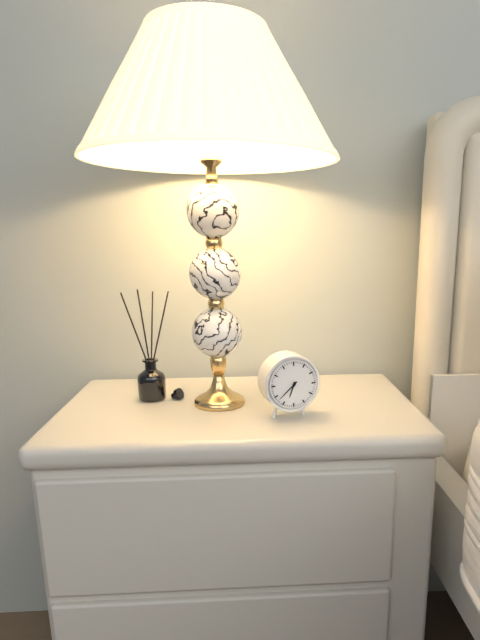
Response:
{"hour": 6, "minute": 38}
